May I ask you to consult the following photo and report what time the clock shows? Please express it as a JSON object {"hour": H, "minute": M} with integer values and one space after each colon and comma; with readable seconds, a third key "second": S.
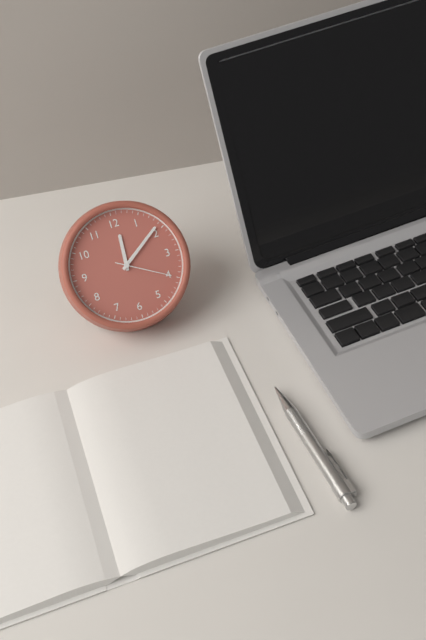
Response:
{"hour": 12, "minute": 9, "second": 20}
